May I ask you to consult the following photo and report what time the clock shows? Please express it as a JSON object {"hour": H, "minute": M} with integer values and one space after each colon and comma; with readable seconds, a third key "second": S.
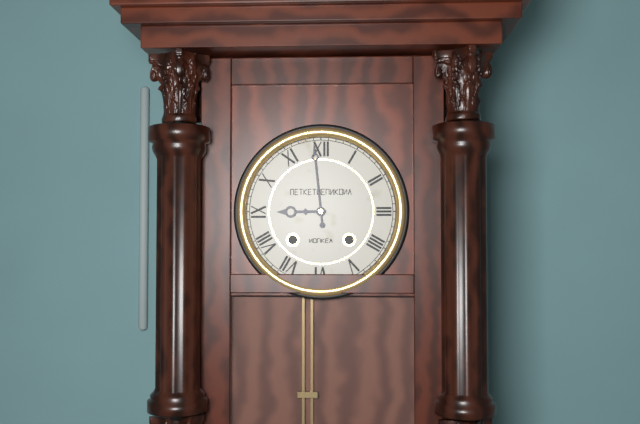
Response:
{"hour": 8, "minute": 59}
